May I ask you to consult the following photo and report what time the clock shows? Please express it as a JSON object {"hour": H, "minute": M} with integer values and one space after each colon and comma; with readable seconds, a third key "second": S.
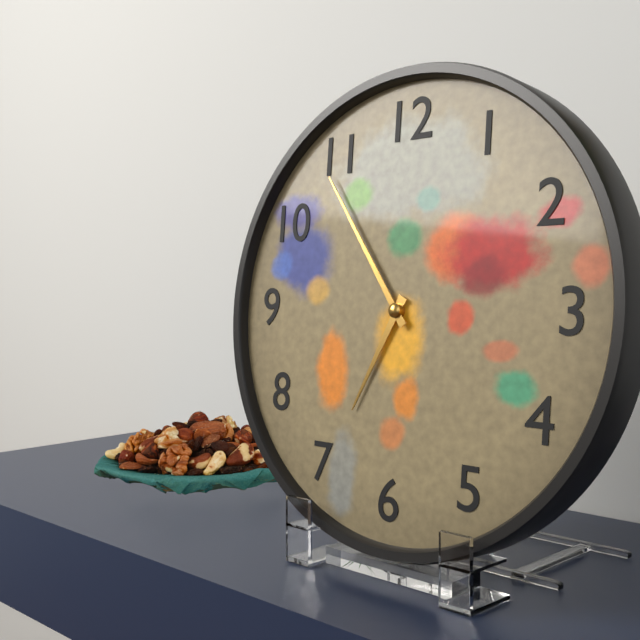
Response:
{"hour": 6, "minute": 54}
